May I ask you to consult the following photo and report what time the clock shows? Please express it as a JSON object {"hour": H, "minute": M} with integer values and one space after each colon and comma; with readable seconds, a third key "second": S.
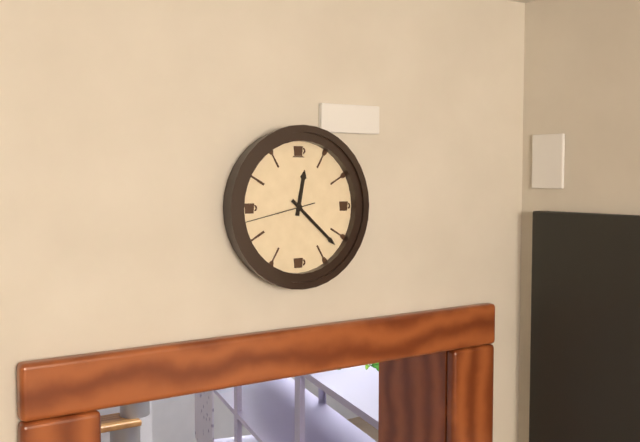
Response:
{"hour": 12, "minute": 22, "second": 43}
